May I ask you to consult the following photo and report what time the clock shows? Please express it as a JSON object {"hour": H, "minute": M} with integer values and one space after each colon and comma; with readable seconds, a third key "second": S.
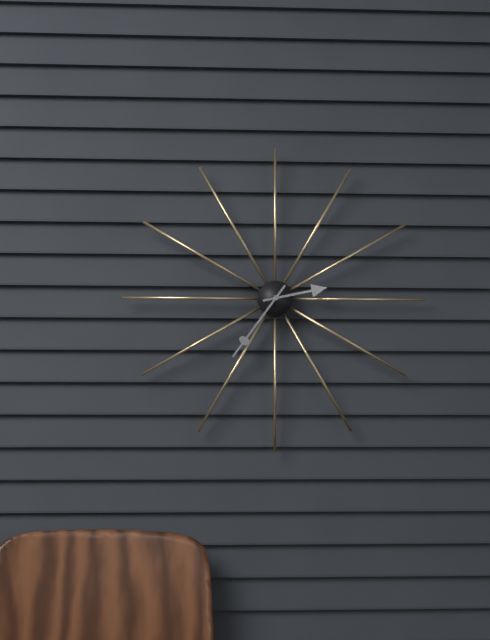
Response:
{"hour": 2, "minute": 36}
